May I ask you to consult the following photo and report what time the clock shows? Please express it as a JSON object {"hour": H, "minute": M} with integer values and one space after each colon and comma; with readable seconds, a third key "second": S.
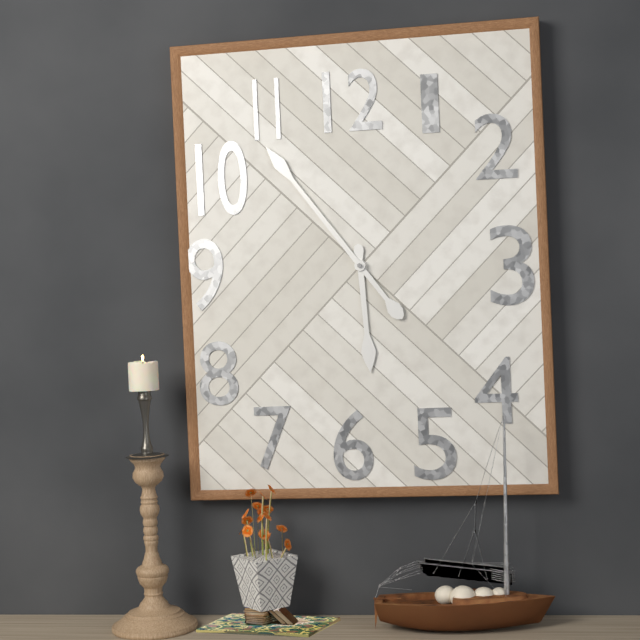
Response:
{"hour": 5, "minute": 54}
